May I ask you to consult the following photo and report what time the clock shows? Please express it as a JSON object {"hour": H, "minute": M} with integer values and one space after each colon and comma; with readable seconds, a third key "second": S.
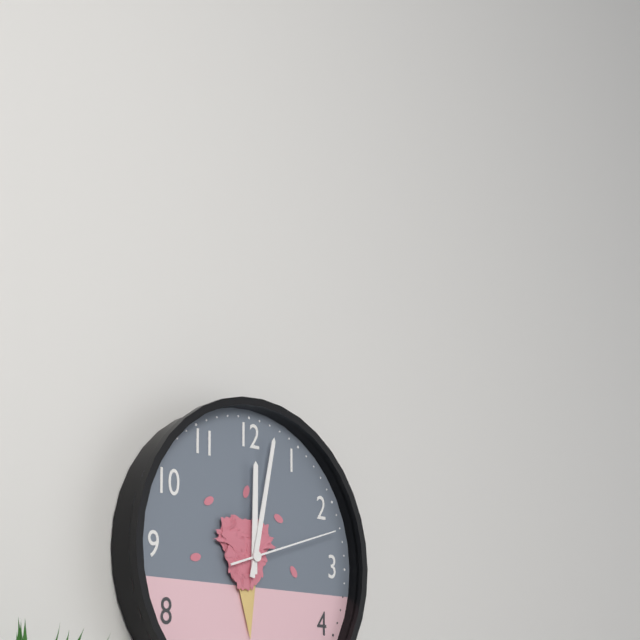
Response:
{"hour": 12, "minute": 2, "second": 12}
